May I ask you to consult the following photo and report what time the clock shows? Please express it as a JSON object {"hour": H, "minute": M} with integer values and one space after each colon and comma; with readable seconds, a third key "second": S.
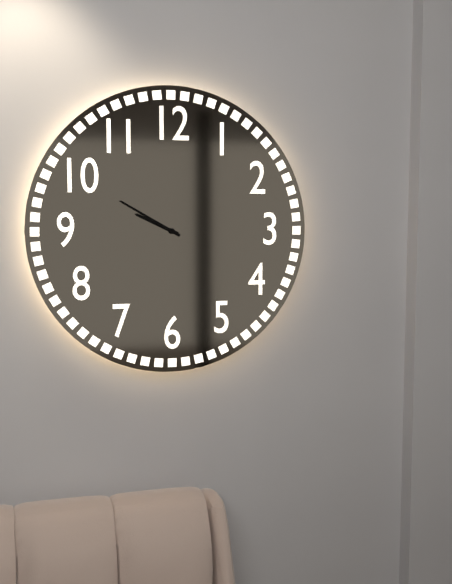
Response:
{"hour": 9, "minute": 50}
